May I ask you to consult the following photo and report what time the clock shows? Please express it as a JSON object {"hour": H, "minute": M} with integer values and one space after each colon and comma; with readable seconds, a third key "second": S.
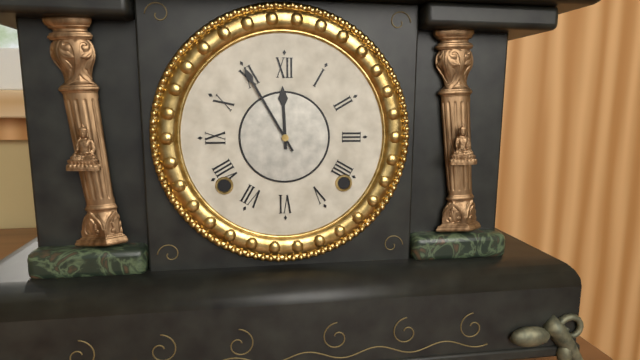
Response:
{"hour": 11, "minute": 55}
